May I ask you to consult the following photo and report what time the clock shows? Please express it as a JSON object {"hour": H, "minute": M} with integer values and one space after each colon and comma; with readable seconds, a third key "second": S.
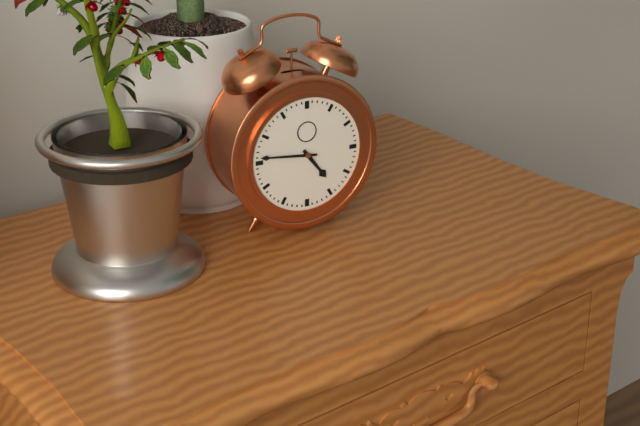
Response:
{"hour": 4, "minute": 46}
